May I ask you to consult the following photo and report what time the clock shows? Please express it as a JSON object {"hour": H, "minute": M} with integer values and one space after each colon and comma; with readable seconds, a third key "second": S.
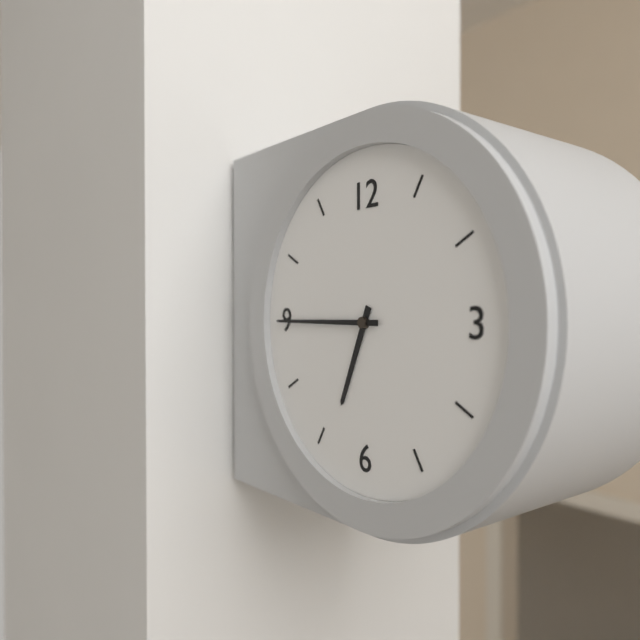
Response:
{"hour": 6, "minute": 45}
